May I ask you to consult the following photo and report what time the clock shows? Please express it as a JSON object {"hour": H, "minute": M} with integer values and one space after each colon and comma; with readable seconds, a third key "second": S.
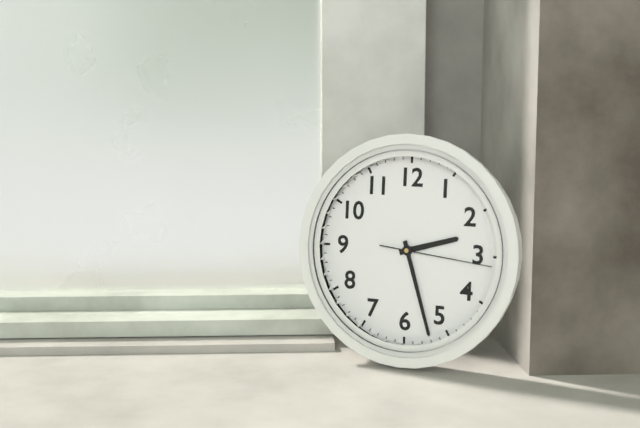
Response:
{"hour": 2, "minute": 27, "second": 16}
